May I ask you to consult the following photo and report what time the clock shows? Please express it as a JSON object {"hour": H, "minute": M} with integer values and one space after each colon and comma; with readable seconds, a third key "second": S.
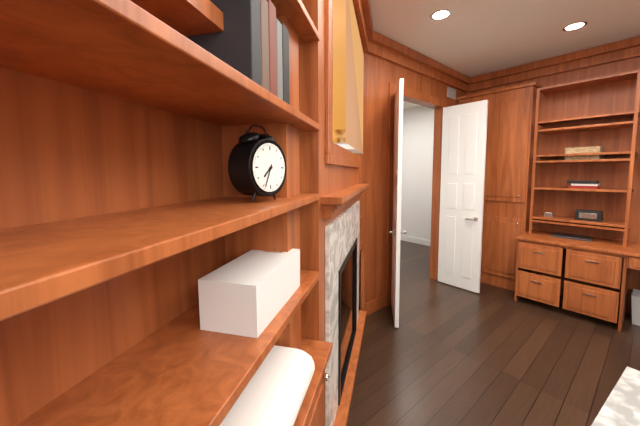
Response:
{"hour": 7, "minute": 34}
